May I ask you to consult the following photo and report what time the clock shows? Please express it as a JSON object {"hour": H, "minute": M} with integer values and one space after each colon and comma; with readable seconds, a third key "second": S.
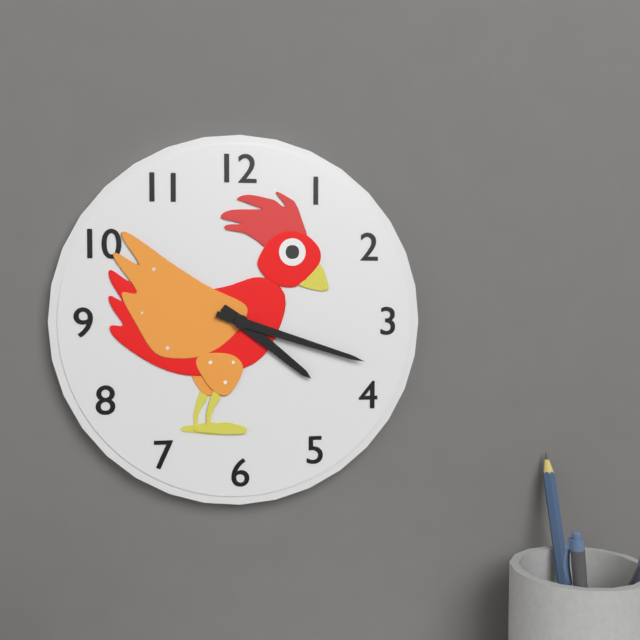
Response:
{"hour": 4, "minute": 18}
